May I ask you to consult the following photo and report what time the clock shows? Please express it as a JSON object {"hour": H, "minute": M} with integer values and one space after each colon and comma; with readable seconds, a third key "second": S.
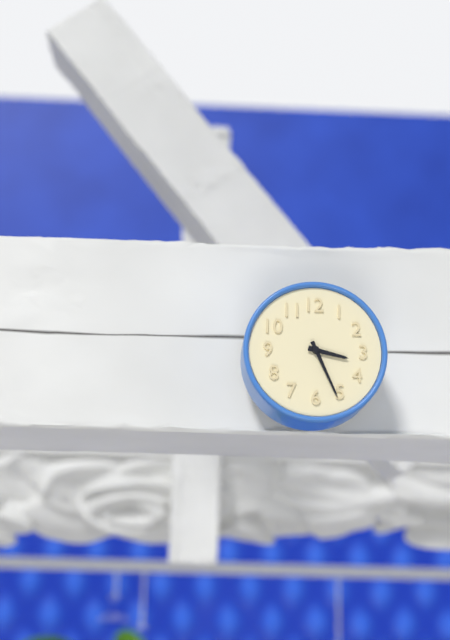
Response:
{"hour": 3, "minute": 26}
